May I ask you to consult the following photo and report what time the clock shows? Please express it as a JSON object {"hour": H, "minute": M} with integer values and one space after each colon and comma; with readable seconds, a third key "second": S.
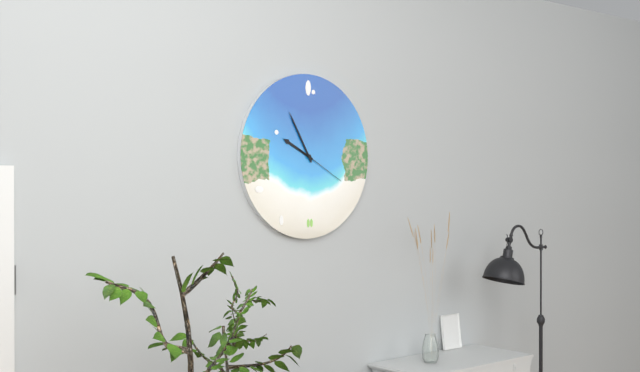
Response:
{"hour": 9, "minute": 55, "second": 20}
